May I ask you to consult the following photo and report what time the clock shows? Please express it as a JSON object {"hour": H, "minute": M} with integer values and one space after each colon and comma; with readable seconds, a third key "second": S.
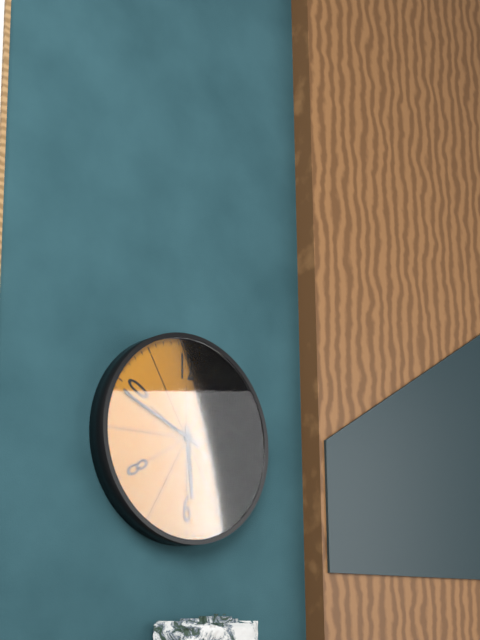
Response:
{"hour": 5, "minute": 49}
